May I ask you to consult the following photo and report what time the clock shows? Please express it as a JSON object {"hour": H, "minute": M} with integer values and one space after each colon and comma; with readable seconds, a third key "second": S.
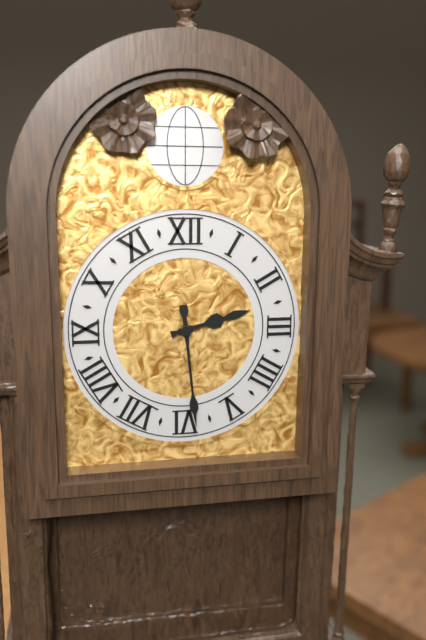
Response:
{"hour": 2, "minute": 29}
